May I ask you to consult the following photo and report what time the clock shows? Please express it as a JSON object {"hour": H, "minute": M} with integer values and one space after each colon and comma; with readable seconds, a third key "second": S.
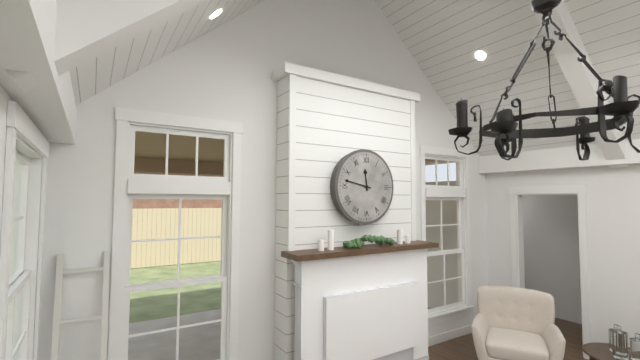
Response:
{"hour": 11, "minute": 47}
